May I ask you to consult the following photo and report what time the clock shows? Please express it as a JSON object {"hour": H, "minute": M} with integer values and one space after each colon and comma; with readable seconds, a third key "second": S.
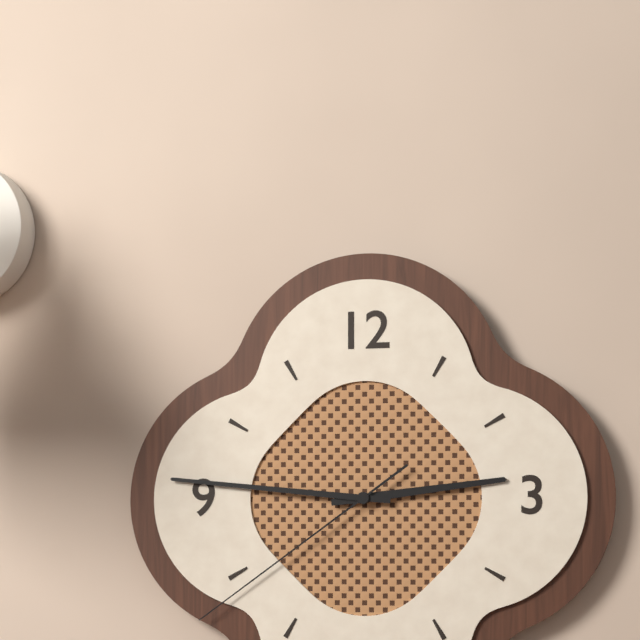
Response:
{"hour": 2, "minute": 46, "second": 39}
